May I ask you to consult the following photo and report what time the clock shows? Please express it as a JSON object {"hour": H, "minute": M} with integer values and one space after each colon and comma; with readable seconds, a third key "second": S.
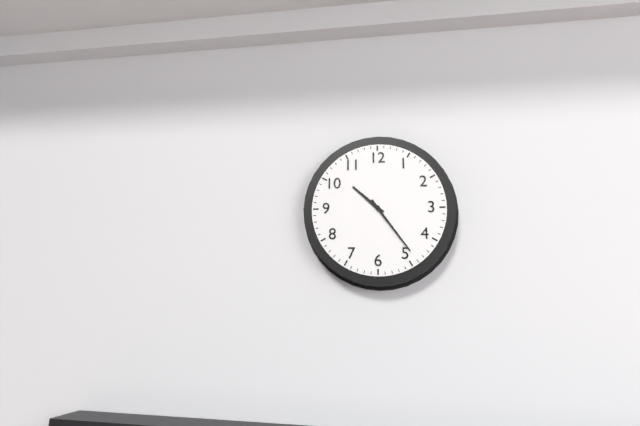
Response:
{"hour": 10, "minute": 24}
